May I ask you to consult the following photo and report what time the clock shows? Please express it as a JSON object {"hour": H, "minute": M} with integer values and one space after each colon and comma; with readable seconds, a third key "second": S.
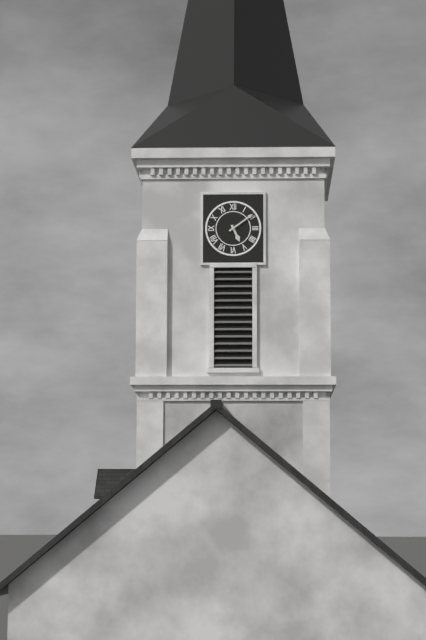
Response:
{"hour": 5, "minute": 9}
